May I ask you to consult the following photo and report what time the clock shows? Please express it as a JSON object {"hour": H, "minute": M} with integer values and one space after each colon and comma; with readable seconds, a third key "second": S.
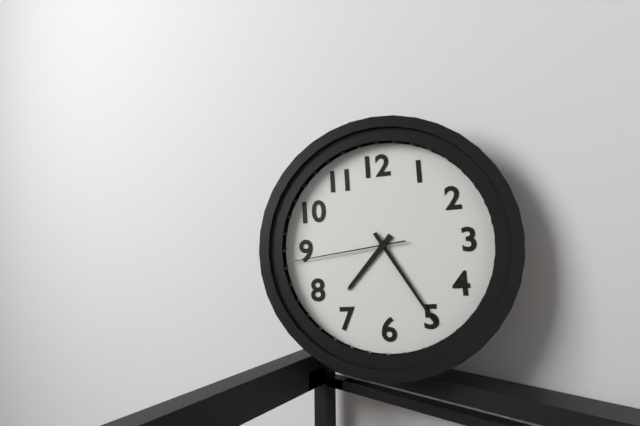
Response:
{"hour": 7, "minute": 25, "second": 44}
